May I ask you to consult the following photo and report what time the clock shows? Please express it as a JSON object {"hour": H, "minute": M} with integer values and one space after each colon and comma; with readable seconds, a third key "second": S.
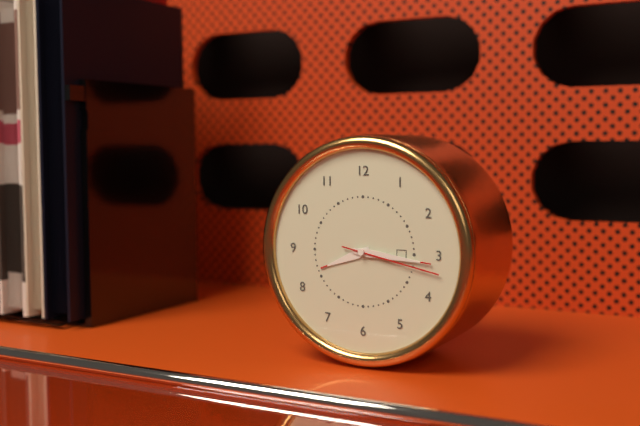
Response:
{"hour": 8, "minute": 16, "second": 17}
